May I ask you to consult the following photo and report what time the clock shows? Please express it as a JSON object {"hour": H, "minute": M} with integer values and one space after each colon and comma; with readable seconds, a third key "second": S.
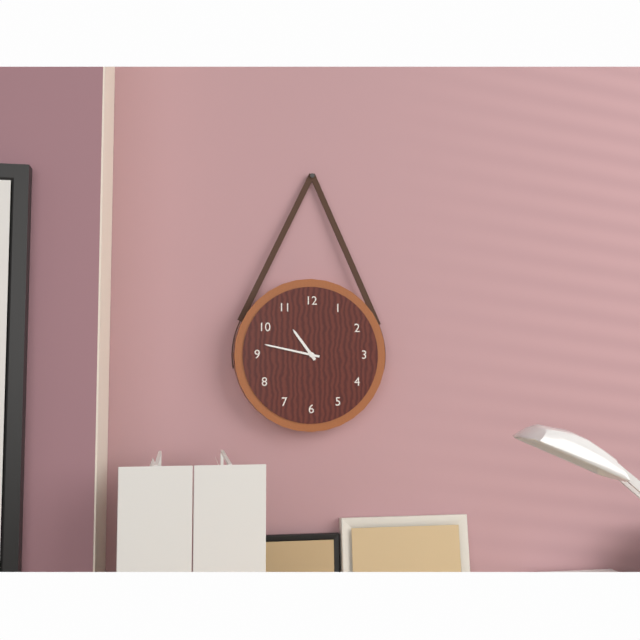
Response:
{"hour": 10, "minute": 47}
